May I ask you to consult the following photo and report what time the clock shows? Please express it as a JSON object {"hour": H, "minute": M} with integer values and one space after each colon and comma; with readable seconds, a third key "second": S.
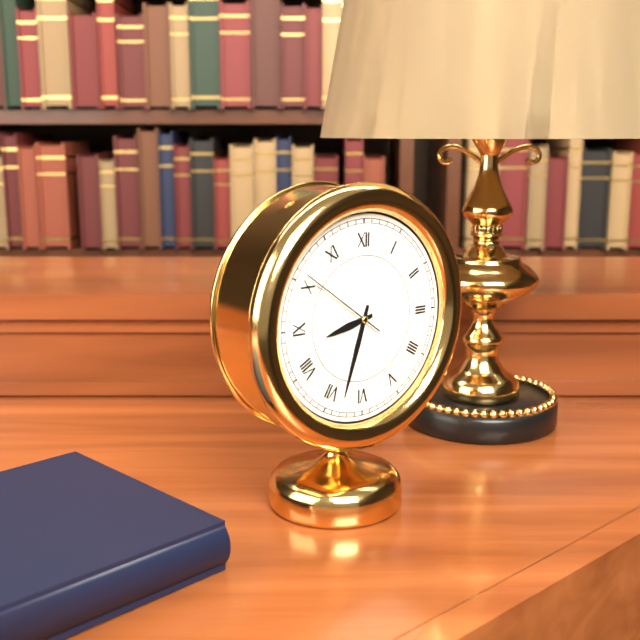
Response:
{"hour": 8, "minute": 33, "second": 51}
